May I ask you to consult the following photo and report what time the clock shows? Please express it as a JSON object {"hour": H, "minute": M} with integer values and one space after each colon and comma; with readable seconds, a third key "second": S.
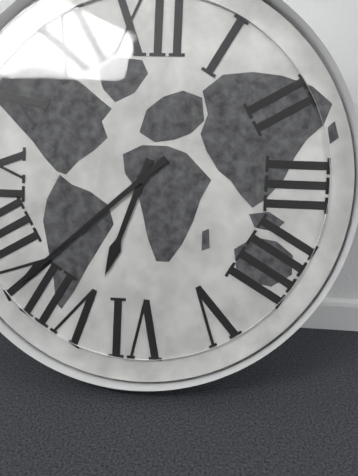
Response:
{"hour": 6, "minute": 38}
